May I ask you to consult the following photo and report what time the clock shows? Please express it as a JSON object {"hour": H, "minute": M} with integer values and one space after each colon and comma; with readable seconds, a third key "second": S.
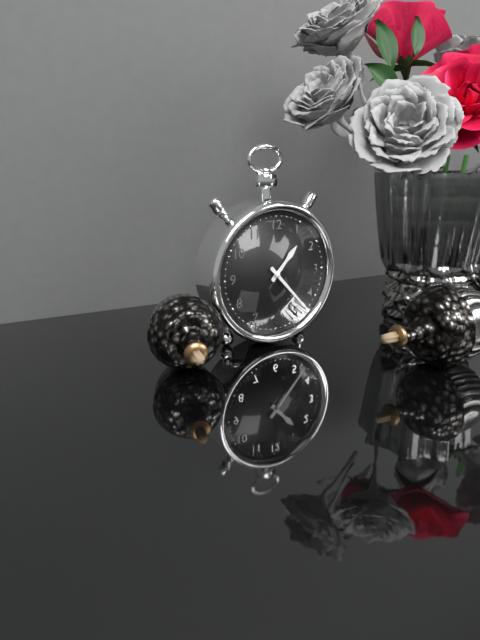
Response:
{"hour": 1, "minute": 23}
